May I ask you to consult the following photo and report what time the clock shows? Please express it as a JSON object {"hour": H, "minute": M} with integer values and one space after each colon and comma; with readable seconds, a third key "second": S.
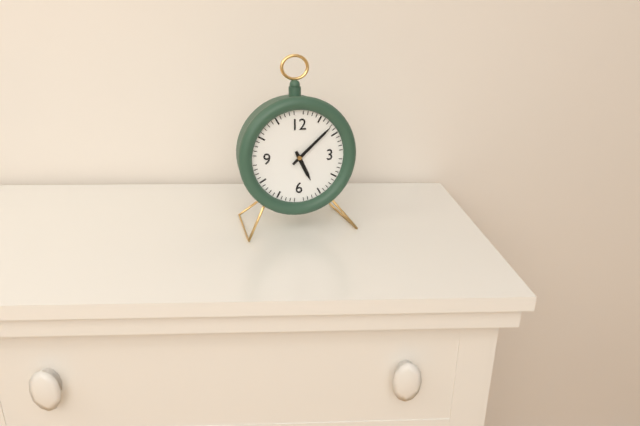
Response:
{"hour": 5, "minute": 8}
